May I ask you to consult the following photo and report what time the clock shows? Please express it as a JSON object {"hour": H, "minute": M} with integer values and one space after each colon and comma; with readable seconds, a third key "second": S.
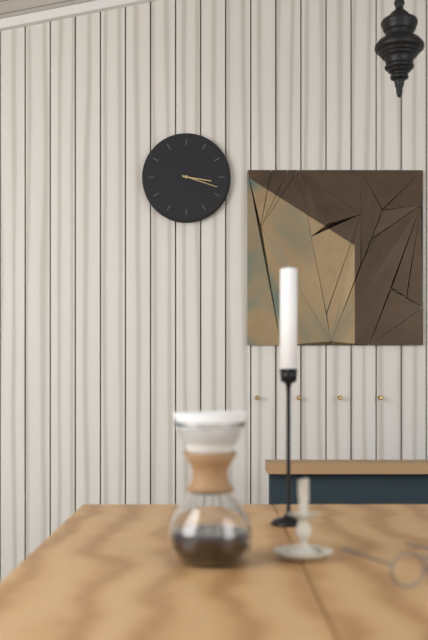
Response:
{"hour": 3, "minute": 18}
